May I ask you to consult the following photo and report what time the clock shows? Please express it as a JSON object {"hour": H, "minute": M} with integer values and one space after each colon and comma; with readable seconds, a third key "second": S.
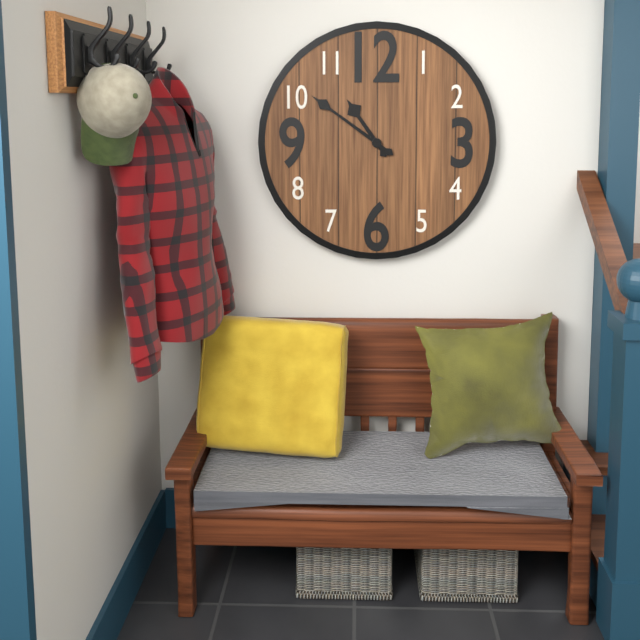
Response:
{"hour": 10, "minute": 51}
